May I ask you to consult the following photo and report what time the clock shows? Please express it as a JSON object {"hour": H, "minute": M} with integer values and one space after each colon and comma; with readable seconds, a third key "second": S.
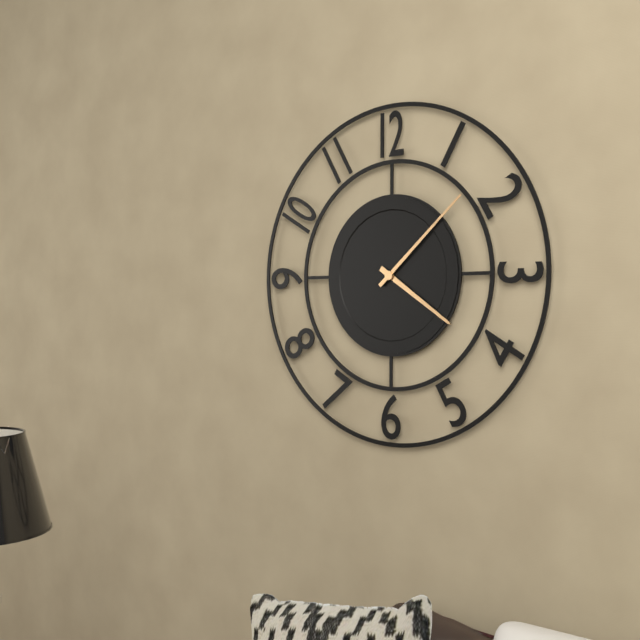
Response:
{"hour": 4, "minute": 8}
